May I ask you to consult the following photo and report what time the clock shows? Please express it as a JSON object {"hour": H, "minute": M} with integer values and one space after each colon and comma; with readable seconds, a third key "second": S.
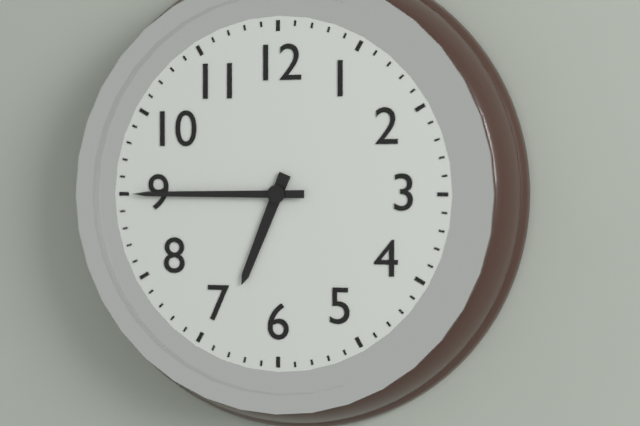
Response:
{"hour": 6, "minute": 45}
